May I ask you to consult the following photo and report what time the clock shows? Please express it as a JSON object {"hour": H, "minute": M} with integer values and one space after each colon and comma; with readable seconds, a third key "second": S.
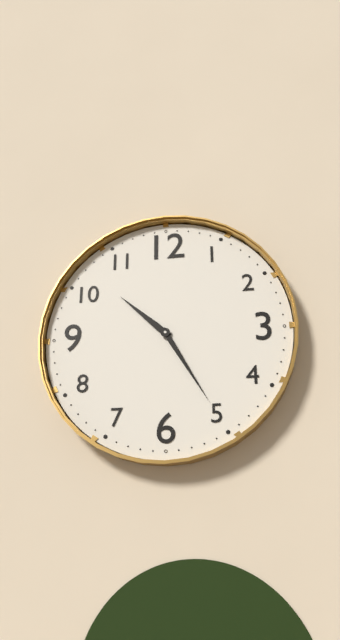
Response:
{"hour": 10, "minute": 25}
